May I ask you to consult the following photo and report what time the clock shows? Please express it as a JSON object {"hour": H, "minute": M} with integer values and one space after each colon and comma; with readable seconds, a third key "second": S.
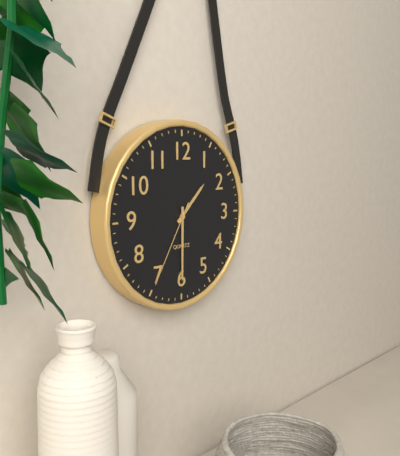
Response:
{"hour": 1, "minute": 30, "second": 35}
